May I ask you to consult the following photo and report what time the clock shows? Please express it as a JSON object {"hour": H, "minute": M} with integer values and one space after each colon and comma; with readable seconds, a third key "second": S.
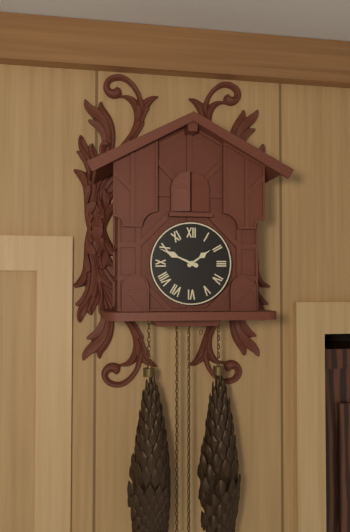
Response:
{"hour": 1, "minute": 49}
